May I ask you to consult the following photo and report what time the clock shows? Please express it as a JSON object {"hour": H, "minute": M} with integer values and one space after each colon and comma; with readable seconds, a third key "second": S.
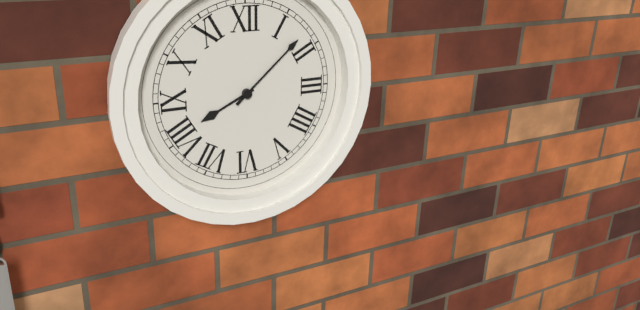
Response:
{"hour": 8, "minute": 8}
